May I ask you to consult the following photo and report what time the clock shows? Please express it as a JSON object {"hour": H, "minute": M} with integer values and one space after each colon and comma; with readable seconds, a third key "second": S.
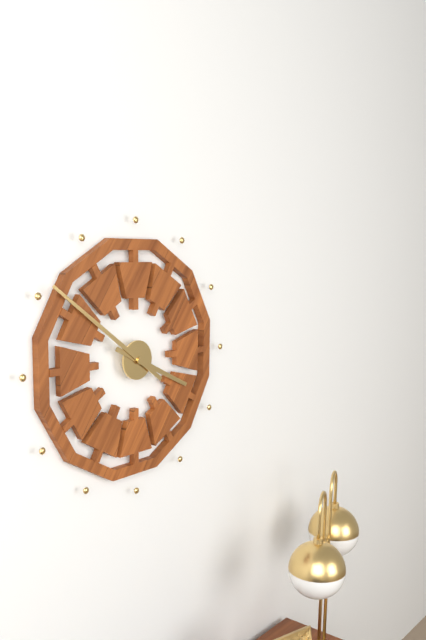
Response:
{"hour": 3, "minute": 51}
